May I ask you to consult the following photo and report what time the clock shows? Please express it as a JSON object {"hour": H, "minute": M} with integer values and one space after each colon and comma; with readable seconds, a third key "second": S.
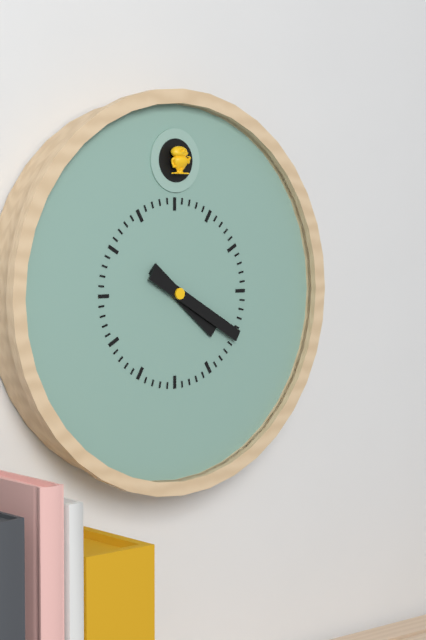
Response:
{"hour": 4, "minute": 20}
